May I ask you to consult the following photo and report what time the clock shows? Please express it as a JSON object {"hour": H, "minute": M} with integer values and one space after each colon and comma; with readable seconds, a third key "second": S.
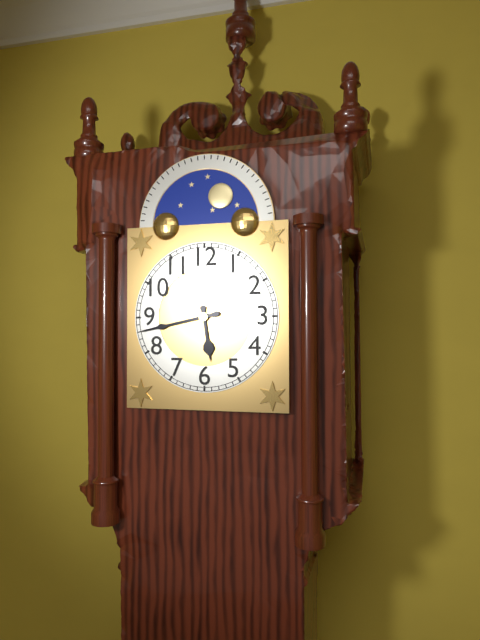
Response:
{"hour": 5, "minute": 43}
